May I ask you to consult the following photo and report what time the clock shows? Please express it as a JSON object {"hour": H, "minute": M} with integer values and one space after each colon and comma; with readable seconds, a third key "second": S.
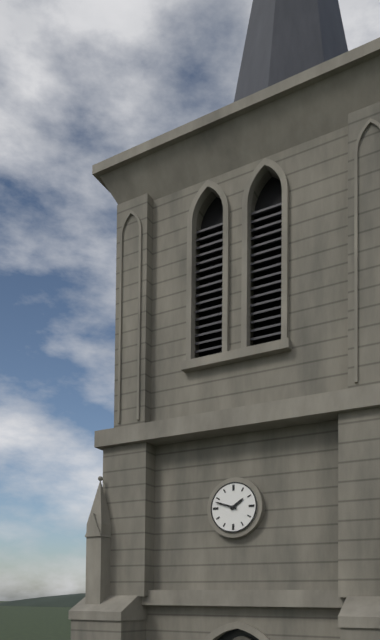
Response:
{"hour": 1, "minute": 48}
